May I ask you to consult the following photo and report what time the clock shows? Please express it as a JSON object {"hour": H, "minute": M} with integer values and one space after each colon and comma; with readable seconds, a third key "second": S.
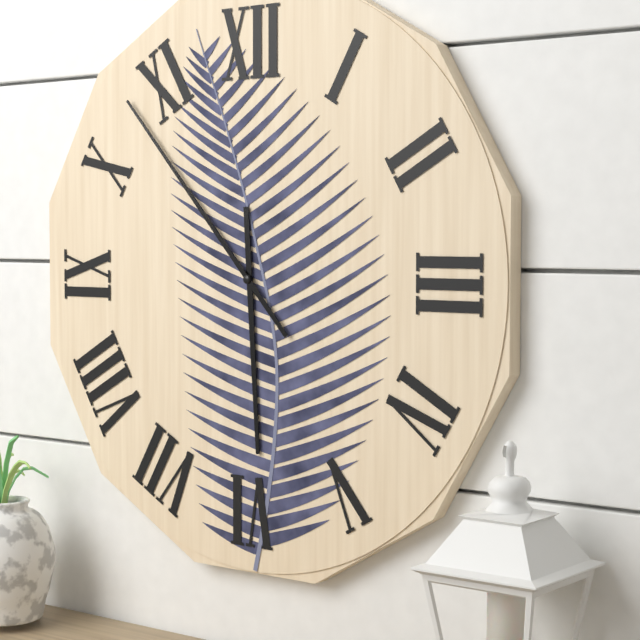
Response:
{"hour": 5, "minute": 53}
